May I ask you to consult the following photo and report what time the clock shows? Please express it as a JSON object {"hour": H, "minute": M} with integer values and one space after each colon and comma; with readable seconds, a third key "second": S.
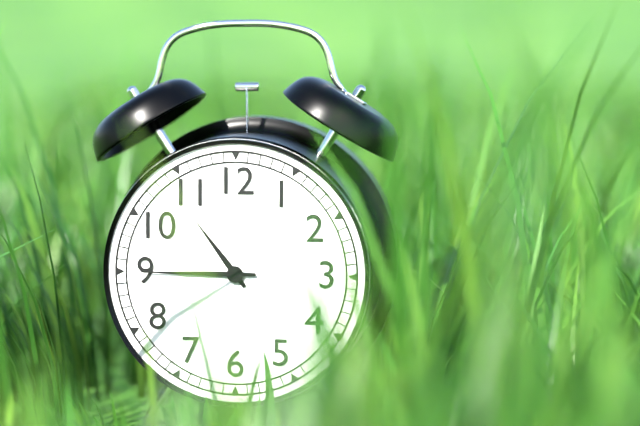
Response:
{"hour": 10, "minute": 45}
